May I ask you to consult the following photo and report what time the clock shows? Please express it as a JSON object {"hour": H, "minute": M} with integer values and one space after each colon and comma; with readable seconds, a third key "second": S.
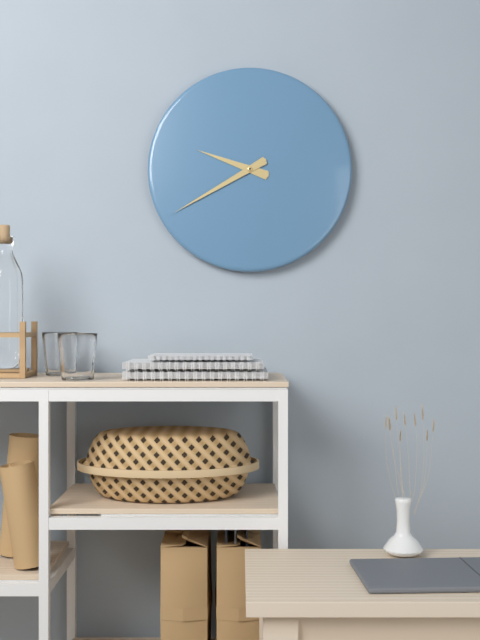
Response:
{"hour": 9, "minute": 40}
